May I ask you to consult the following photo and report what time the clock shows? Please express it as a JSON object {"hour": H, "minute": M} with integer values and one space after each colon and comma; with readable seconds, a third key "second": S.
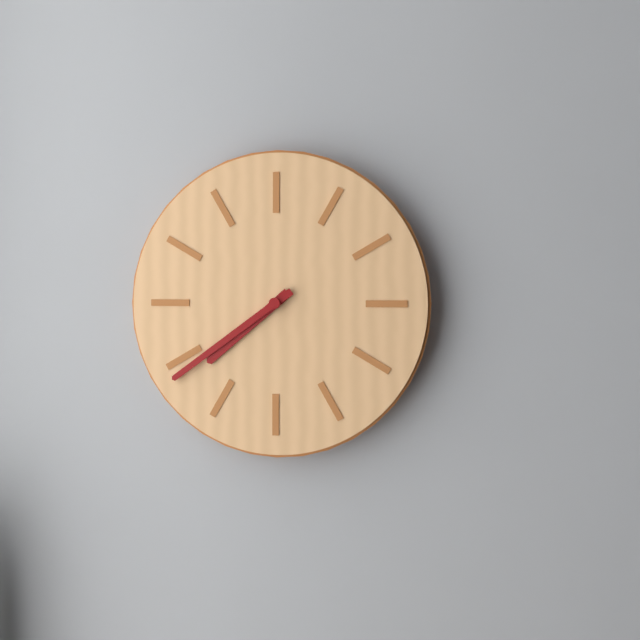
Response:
{"hour": 7, "minute": 39}
